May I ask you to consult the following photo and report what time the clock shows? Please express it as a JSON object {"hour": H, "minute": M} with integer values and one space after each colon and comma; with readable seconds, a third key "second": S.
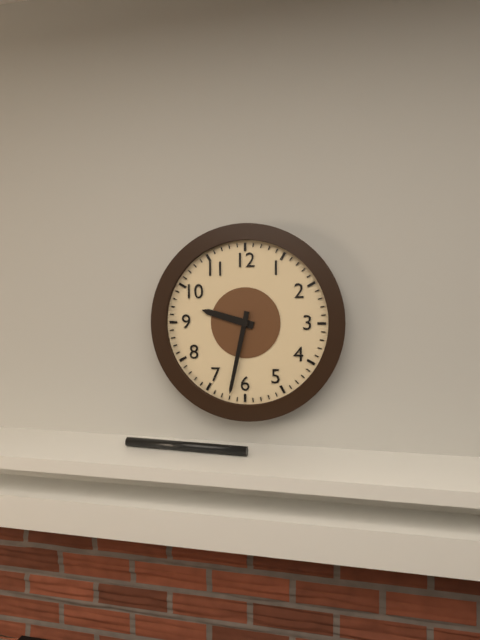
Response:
{"hour": 9, "minute": 32}
